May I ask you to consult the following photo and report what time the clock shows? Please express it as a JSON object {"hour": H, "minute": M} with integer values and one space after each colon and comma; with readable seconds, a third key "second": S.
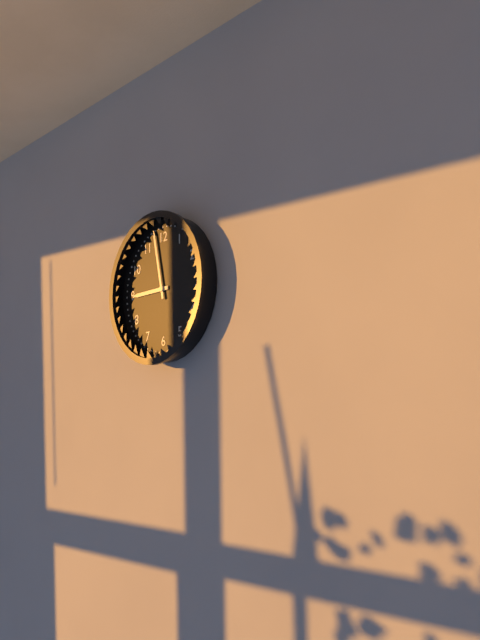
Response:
{"hour": 8, "minute": 58}
